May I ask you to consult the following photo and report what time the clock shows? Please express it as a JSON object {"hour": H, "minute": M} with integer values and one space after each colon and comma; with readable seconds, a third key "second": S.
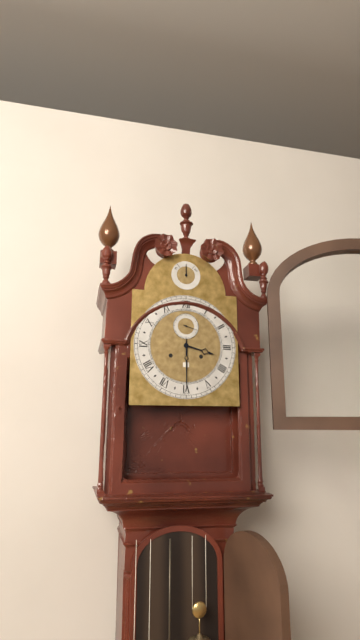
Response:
{"hour": 3, "minute": 30}
